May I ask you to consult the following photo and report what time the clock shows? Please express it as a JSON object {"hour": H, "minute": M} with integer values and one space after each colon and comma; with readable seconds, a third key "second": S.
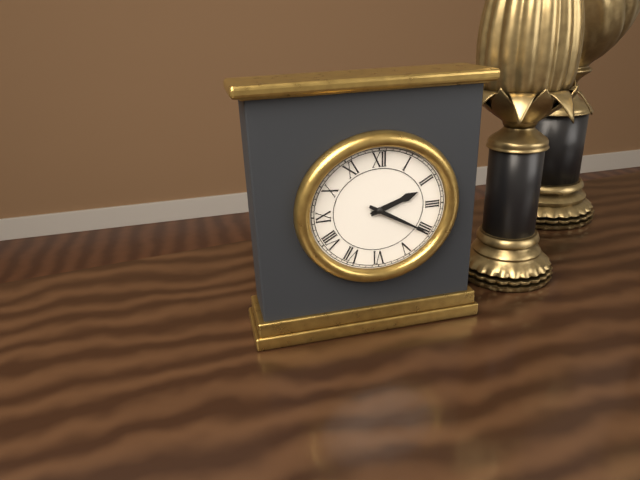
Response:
{"hour": 2, "minute": 20}
